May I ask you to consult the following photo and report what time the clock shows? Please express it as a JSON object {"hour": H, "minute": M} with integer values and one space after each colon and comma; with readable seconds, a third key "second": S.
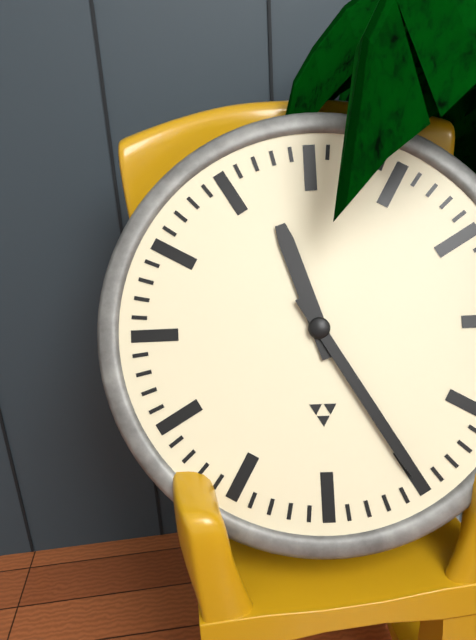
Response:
{"hour": 11, "minute": 25}
